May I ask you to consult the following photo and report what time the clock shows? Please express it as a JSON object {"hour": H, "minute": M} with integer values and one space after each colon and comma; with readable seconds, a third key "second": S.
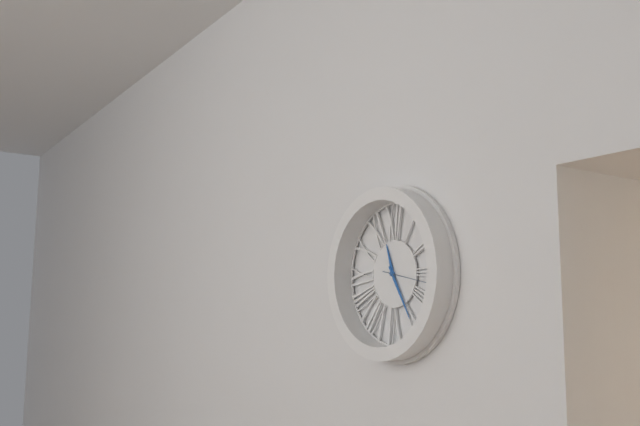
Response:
{"hour": 11, "minute": 25, "second": 17}
